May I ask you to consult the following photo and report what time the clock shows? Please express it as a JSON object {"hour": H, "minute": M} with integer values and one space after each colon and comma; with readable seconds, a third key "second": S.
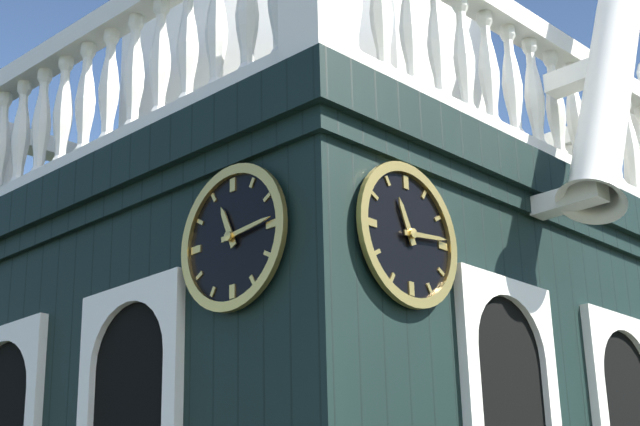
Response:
{"hour": 11, "minute": 14}
